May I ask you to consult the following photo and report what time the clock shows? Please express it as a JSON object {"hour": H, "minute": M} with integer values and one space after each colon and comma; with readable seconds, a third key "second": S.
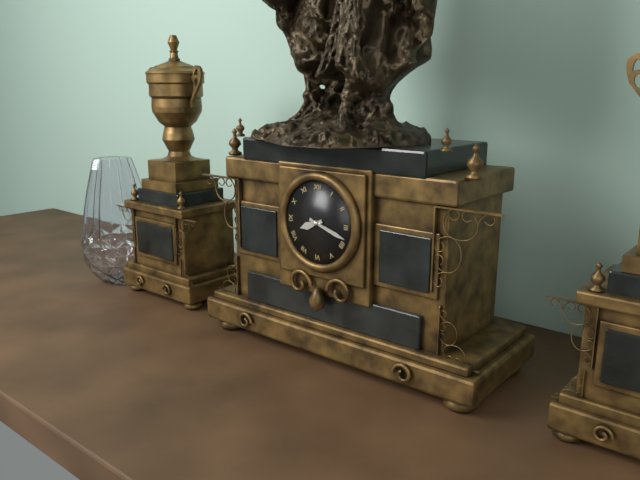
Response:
{"hour": 8, "minute": 18}
